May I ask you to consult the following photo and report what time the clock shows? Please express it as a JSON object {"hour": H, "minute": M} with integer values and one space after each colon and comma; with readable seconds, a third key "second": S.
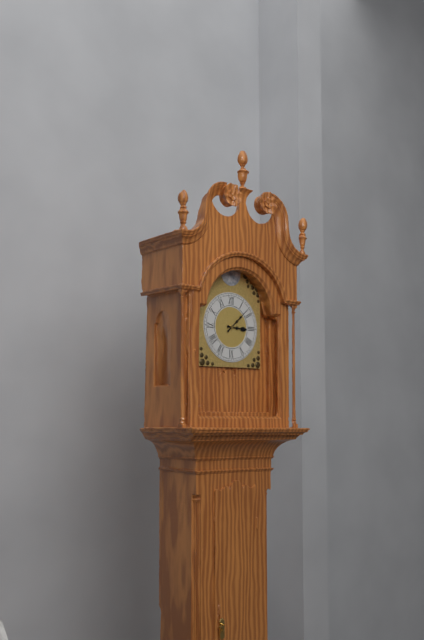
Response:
{"hour": 3, "minute": 8}
